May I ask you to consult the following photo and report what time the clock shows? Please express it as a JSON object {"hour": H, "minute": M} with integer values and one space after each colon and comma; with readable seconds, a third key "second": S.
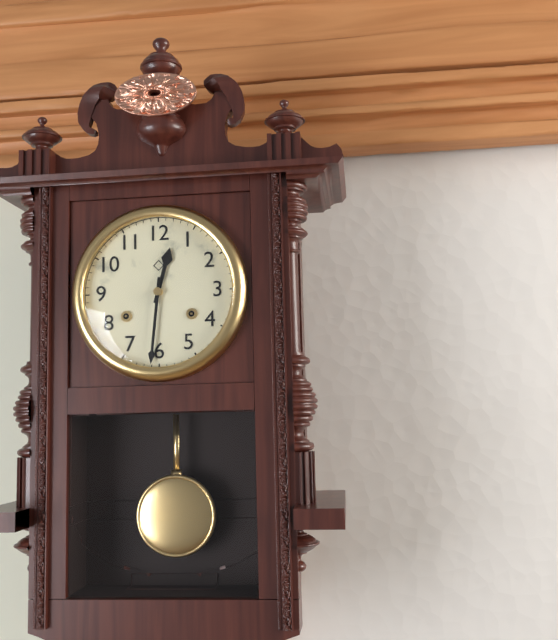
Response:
{"hour": 12, "minute": 31}
